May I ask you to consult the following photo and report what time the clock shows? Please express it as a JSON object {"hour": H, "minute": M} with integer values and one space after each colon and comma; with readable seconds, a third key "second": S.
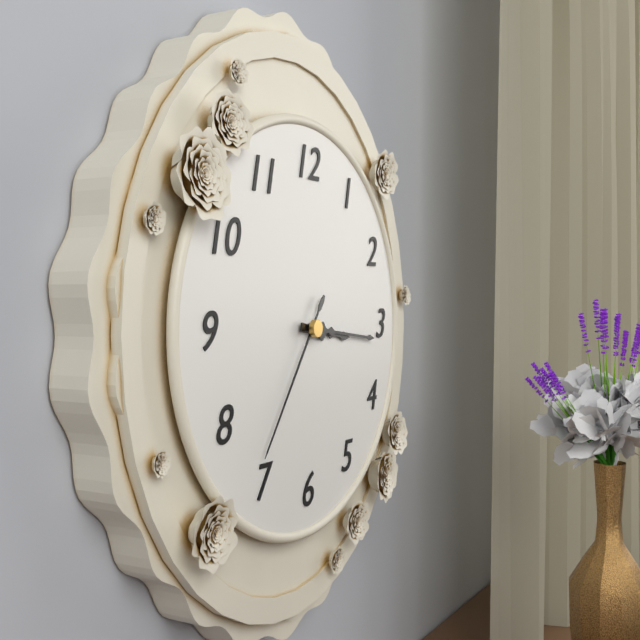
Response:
{"hour": 3, "minute": 16, "second": 36}
